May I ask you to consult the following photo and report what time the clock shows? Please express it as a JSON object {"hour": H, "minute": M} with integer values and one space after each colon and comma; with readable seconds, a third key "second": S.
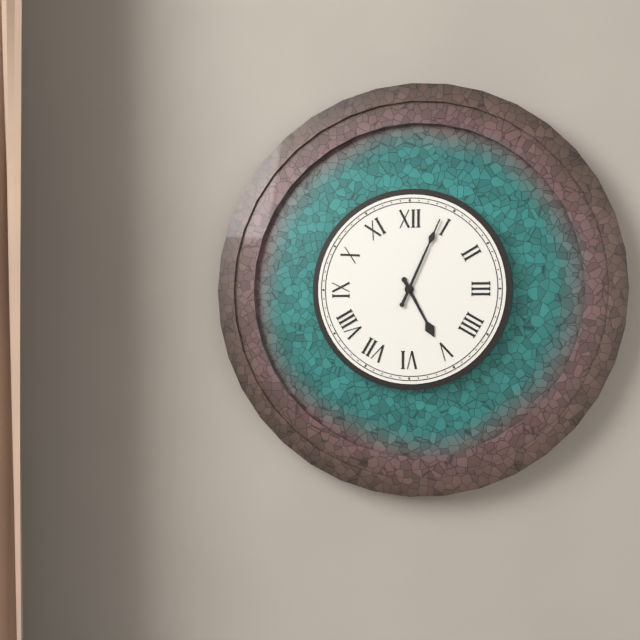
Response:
{"hour": 5, "minute": 4}
